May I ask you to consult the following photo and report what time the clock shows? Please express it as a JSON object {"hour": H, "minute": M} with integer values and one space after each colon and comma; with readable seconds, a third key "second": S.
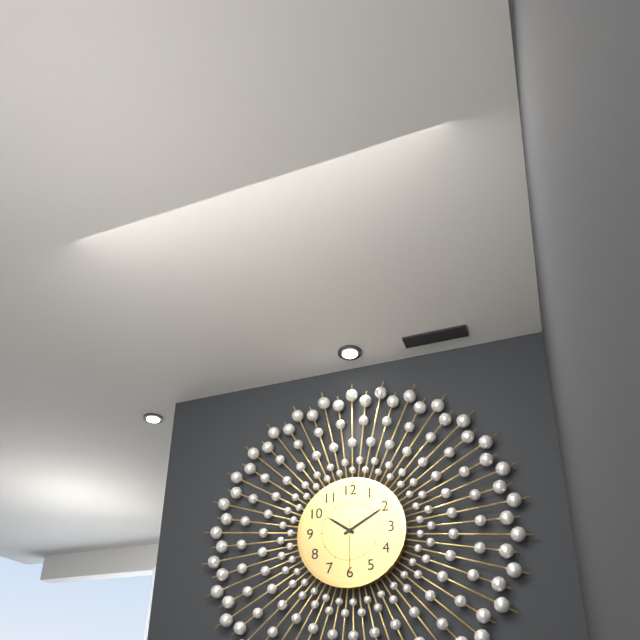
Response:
{"hour": 10, "minute": 10, "second": 30}
